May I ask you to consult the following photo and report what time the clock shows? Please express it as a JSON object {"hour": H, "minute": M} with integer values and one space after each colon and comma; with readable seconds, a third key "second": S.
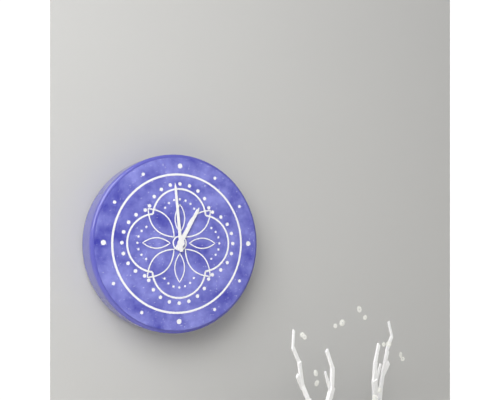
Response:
{"hour": 12, "minute": 59}
